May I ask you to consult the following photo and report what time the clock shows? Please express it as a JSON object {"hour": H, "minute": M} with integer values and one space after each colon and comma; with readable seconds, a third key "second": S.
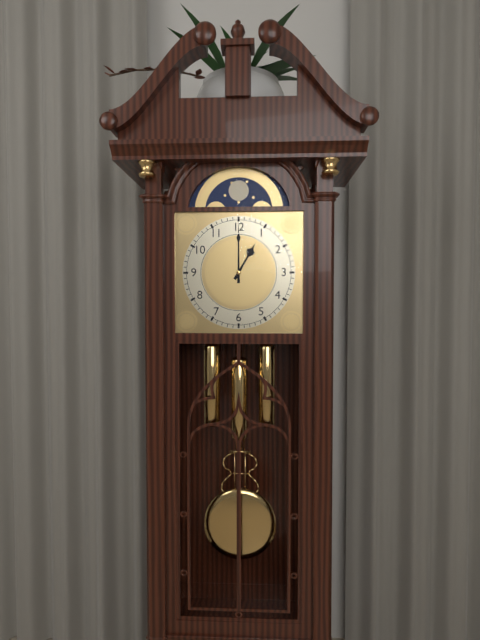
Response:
{"hour": 1, "minute": 0}
